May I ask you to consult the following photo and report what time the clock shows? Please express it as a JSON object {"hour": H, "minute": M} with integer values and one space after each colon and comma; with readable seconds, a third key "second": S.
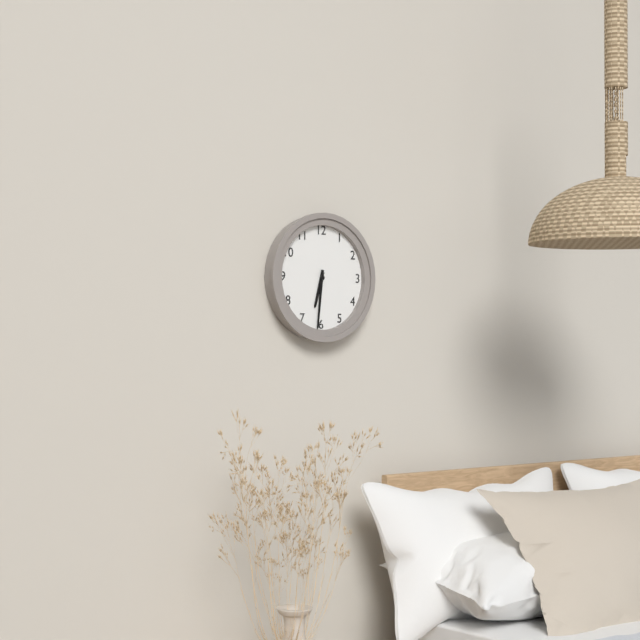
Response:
{"hour": 6, "minute": 31}
